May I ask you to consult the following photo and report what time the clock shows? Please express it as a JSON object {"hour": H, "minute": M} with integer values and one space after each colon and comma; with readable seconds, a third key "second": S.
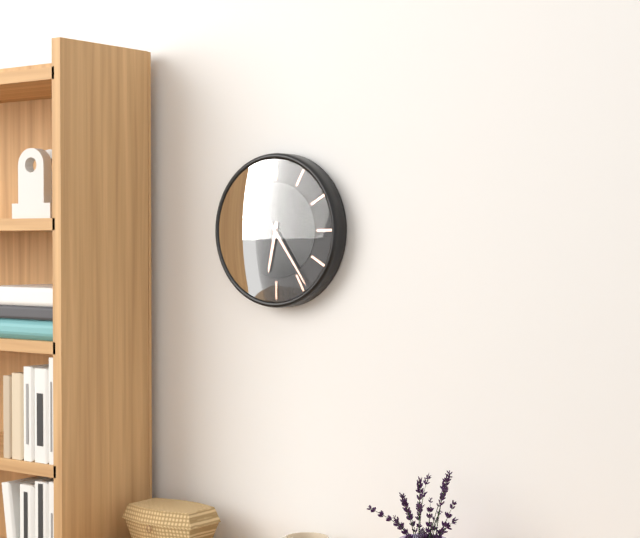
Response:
{"hour": 6, "minute": 24}
